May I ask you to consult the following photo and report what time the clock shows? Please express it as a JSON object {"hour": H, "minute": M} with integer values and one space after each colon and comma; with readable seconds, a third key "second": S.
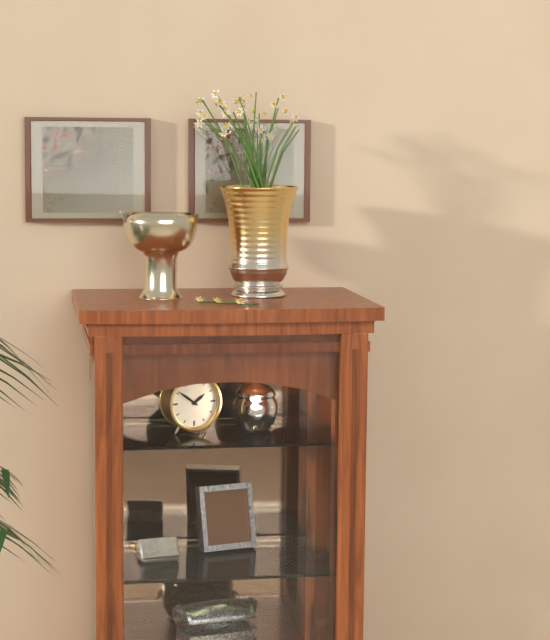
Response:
{"hour": 1, "minute": 51}
